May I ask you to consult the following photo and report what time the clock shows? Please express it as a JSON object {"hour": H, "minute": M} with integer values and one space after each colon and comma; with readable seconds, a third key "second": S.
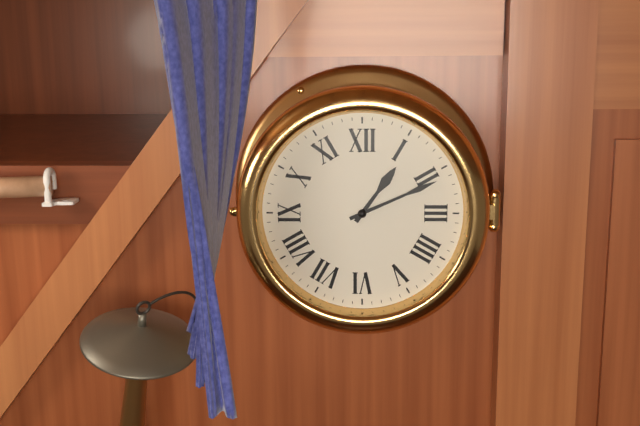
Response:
{"hour": 1, "minute": 11}
